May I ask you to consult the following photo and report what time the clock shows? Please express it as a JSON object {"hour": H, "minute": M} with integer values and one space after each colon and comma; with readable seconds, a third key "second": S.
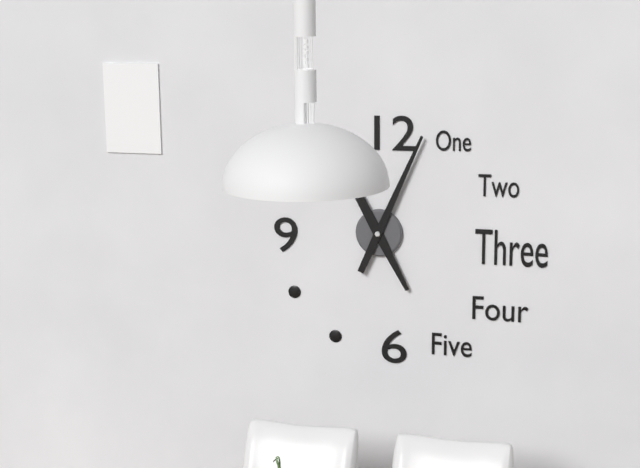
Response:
{"hour": 5, "minute": 4}
